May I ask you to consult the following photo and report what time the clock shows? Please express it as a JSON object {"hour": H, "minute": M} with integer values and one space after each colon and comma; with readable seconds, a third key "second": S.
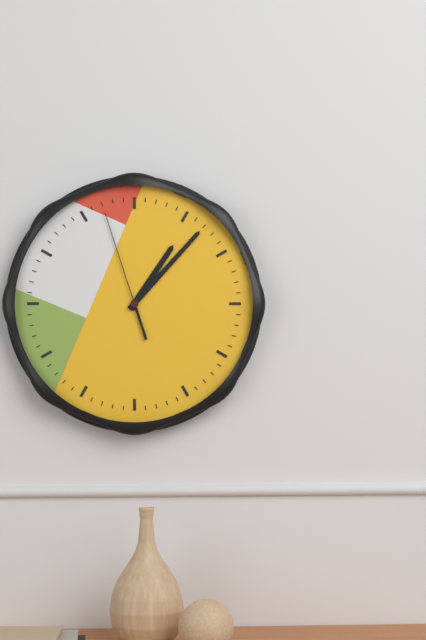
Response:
{"hour": 1, "minute": 7, "second": 57}
